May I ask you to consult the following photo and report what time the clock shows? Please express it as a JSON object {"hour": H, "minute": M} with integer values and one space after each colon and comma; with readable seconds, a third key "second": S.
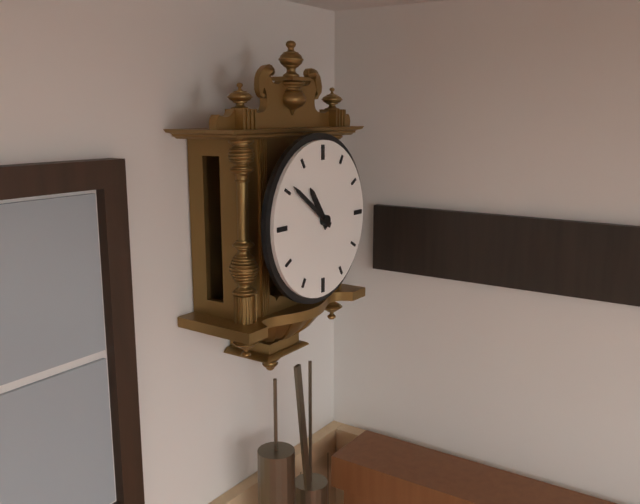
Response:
{"hour": 10, "minute": 51}
